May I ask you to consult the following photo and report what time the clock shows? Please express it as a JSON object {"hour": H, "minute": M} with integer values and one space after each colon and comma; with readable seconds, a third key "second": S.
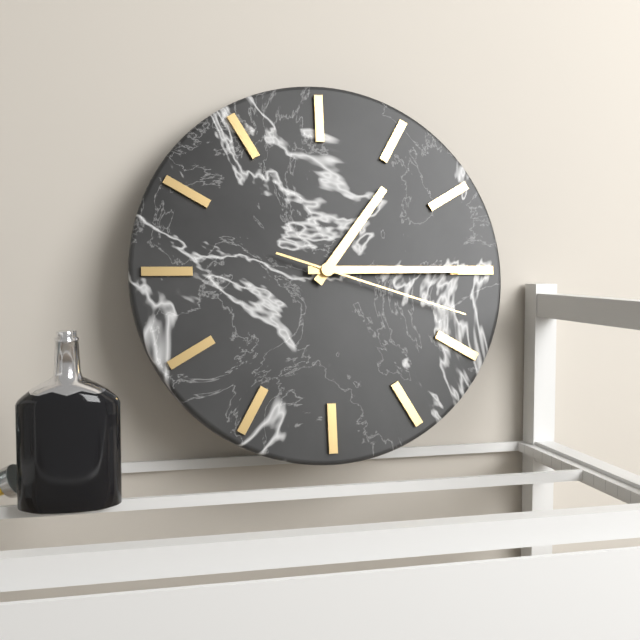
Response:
{"hour": 1, "minute": 15, "second": 18}
